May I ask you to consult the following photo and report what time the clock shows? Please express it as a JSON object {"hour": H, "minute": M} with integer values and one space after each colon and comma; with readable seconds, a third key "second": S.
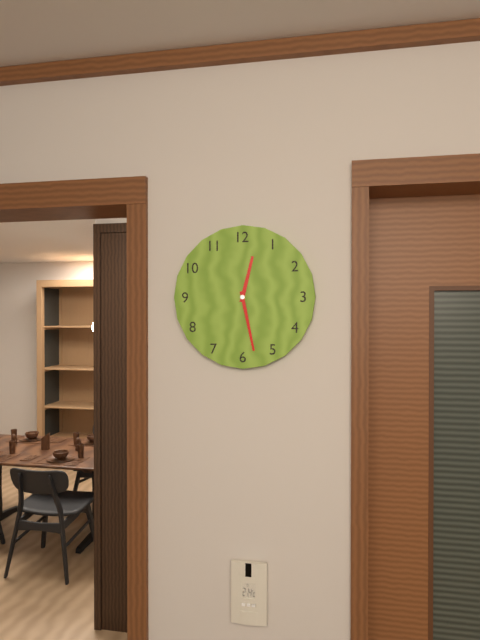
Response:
{"hour": 12, "minute": 28}
